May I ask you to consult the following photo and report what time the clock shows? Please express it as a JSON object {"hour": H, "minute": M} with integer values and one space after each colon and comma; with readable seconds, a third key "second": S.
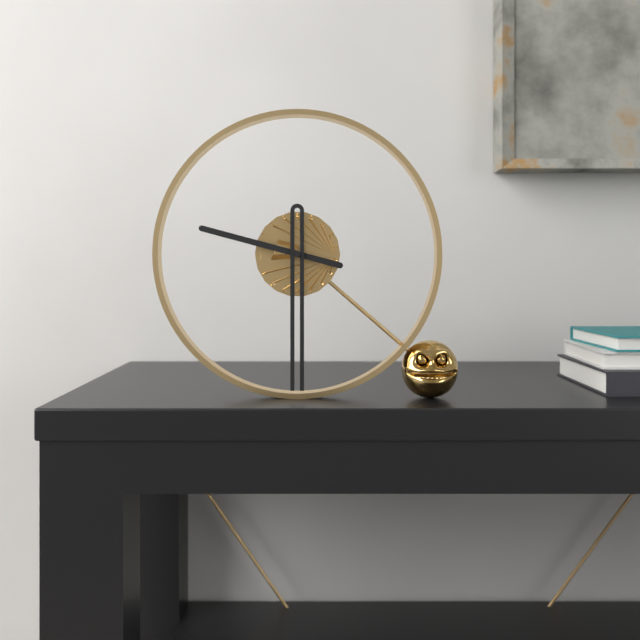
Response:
{"hour": 9, "minute": 30}
